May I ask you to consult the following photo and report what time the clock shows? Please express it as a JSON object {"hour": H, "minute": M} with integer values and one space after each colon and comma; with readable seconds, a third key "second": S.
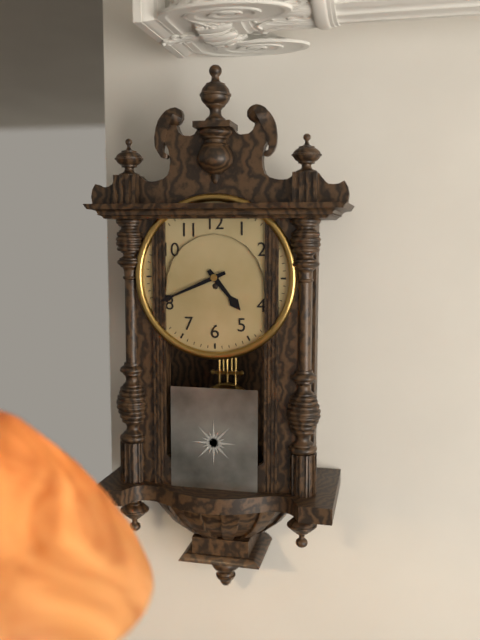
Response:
{"hour": 4, "minute": 41}
